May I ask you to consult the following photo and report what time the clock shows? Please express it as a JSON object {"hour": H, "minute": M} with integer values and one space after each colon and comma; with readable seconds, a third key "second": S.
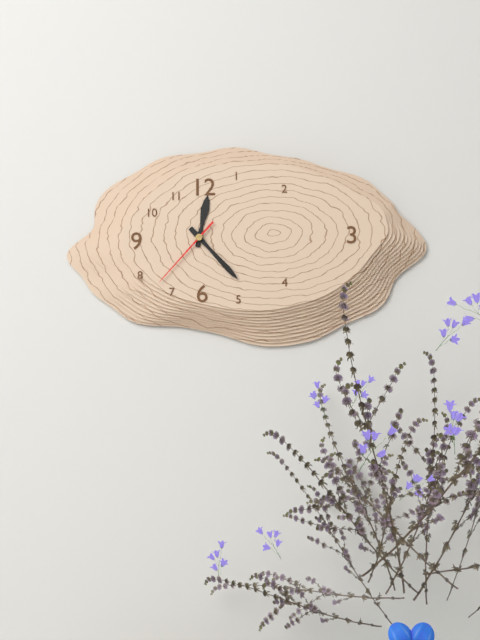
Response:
{"hour": 12, "minute": 23, "second": 37}
